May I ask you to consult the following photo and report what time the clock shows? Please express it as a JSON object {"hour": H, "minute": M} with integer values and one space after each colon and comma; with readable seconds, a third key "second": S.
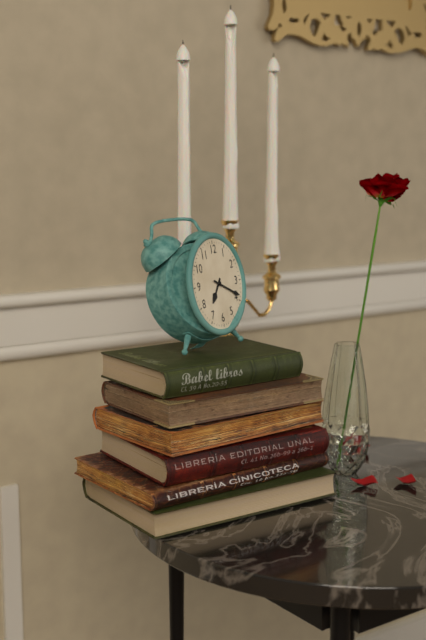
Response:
{"hour": 7, "minute": 19}
